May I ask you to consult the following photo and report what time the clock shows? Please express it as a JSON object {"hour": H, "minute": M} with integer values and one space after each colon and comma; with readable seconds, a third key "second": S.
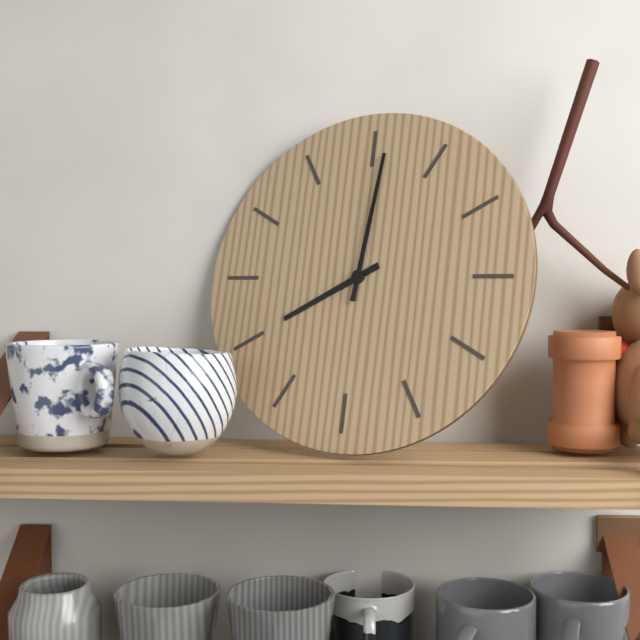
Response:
{"hour": 8, "minute": 1}
